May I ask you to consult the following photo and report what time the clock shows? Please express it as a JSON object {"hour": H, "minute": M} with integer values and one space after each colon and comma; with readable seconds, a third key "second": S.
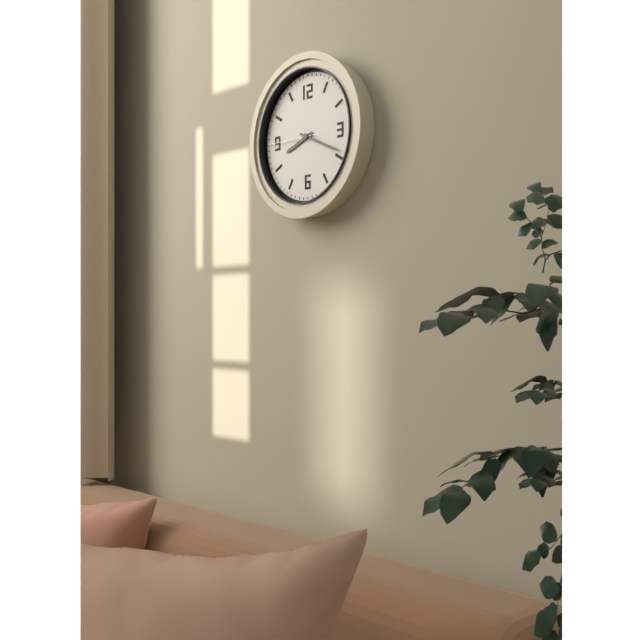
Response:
{"hour": 8, "minute": 19, "second": 45}
